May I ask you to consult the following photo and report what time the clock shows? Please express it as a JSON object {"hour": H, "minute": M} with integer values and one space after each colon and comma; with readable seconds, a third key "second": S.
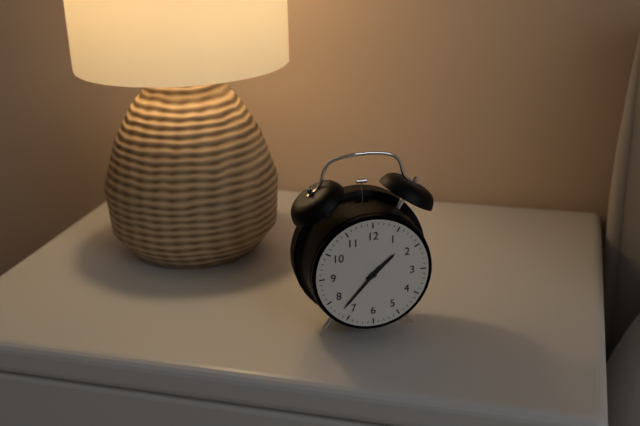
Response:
{"hour": 1, "minute": 37}
